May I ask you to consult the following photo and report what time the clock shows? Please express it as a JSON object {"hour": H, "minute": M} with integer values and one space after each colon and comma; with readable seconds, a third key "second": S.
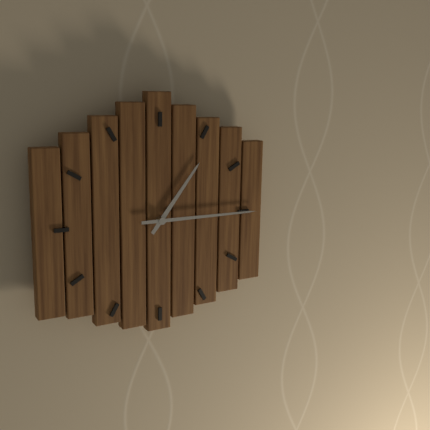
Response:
{"hour": 1, "minute": 15}
